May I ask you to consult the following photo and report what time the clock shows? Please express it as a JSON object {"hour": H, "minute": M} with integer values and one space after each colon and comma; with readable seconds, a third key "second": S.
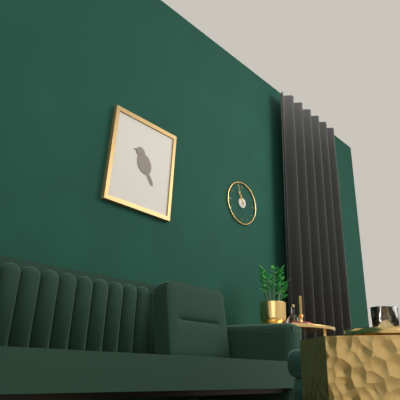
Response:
{"hour": 10, "minute": 56}
